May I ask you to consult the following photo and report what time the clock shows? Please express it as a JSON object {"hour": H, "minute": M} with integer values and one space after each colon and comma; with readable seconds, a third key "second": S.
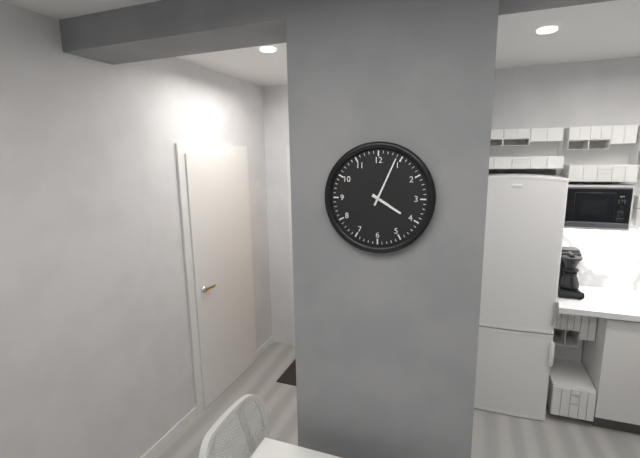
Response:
{"hour": 4, "minute": 4}
